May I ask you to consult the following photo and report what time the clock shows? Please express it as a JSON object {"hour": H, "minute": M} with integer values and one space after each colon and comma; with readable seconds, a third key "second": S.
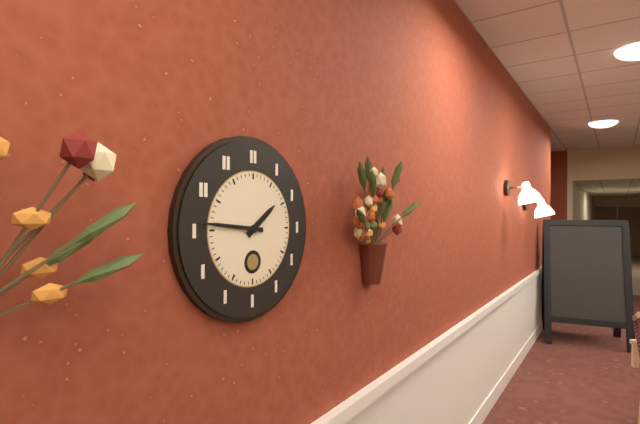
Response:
{"hour": 1, "minute": 46}
